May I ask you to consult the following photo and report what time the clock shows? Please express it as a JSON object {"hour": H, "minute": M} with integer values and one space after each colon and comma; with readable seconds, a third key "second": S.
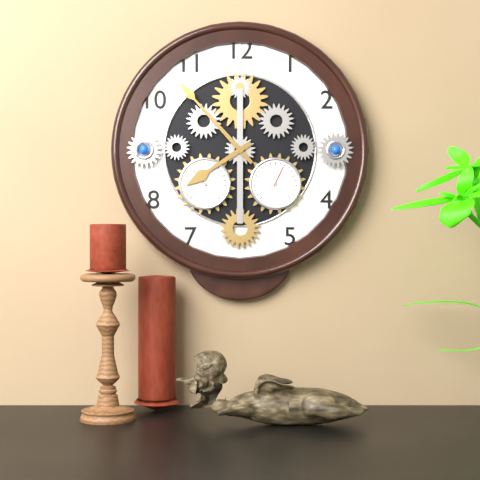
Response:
{"hour": 7, "minute": 53}
